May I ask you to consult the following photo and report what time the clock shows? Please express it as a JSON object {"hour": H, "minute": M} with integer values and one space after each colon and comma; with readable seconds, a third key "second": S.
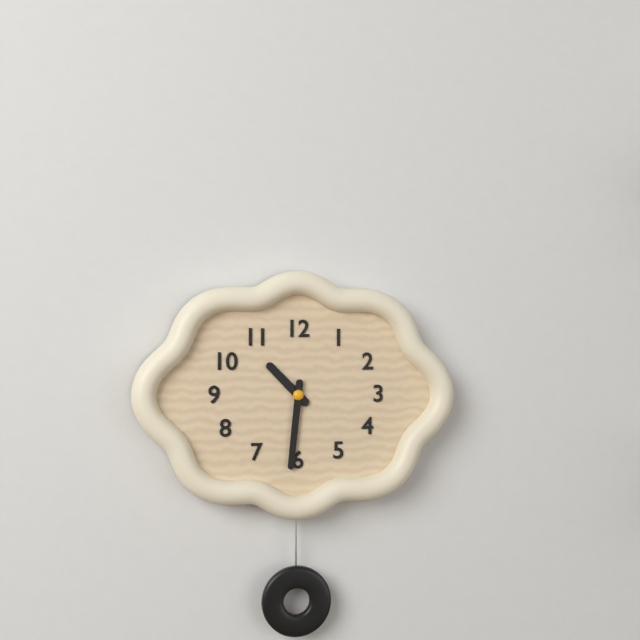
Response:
{"hour": 10, "minute": 31}
